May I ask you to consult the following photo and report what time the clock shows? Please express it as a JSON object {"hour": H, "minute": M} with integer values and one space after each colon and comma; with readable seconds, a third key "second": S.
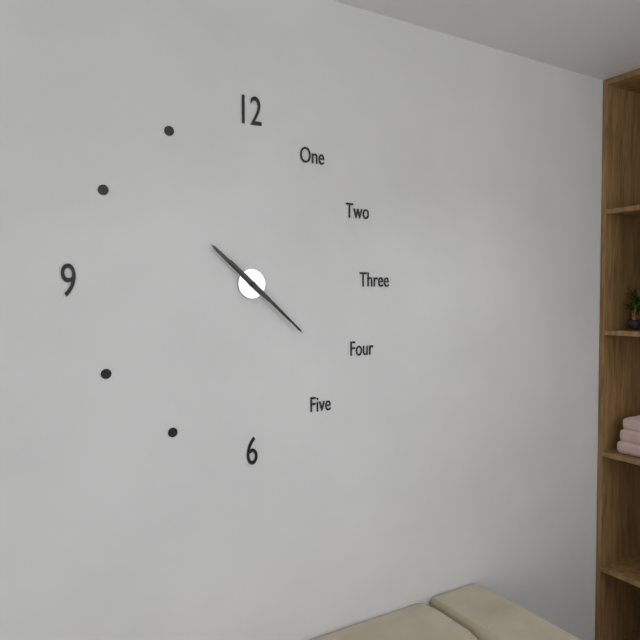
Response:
{"hour": 10, "minute": 22}
